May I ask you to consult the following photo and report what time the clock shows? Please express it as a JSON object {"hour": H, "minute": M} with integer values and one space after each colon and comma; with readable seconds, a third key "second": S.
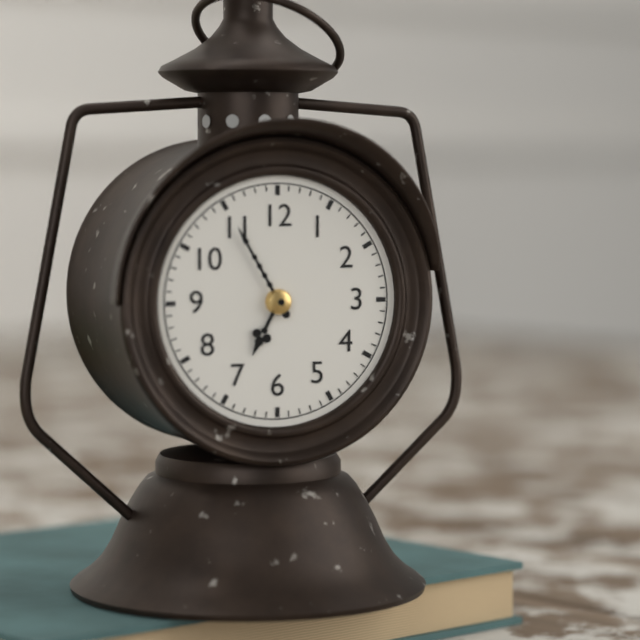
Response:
{"hour": 6, "minute": 55}
